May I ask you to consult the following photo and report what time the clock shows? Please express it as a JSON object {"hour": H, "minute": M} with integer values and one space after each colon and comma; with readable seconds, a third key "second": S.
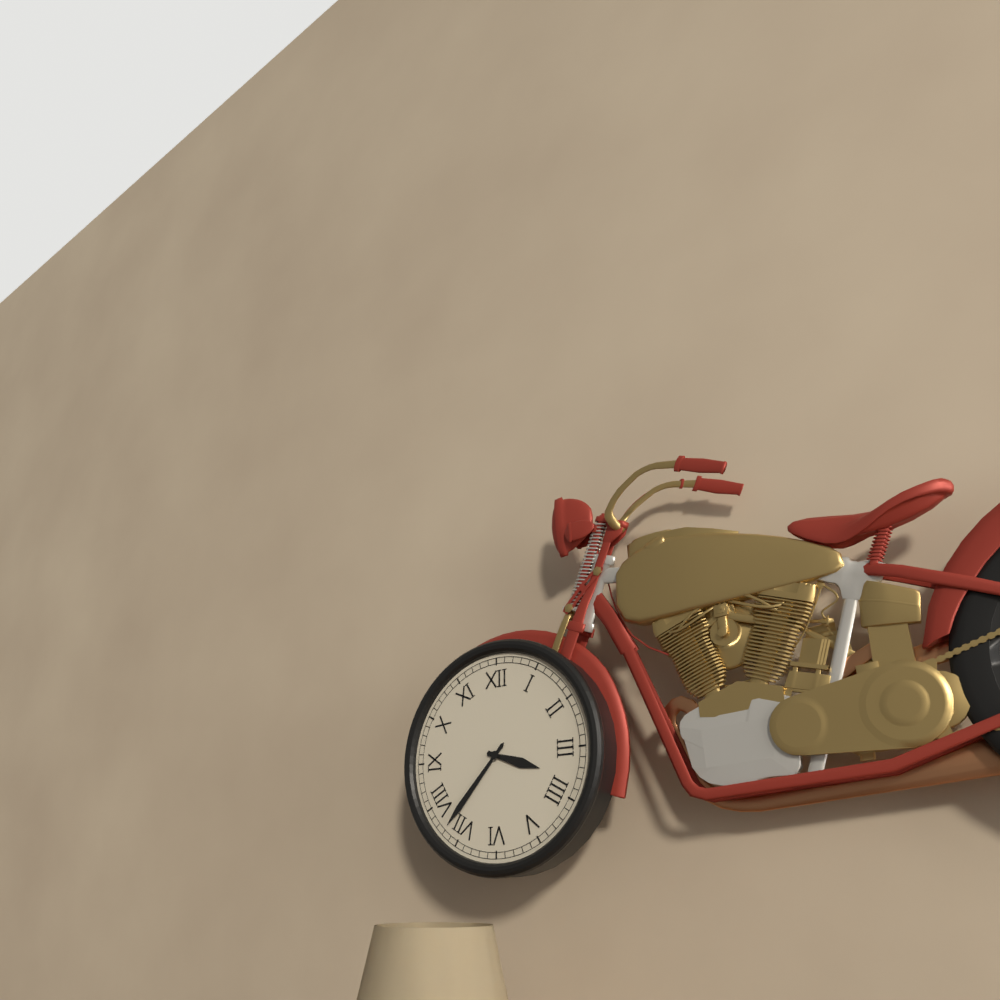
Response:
{"hour": 3, "minute": 37}
